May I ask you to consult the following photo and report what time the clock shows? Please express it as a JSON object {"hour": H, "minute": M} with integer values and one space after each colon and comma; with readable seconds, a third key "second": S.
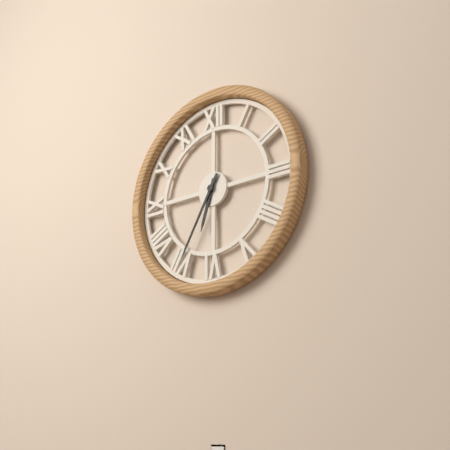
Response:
{"hour": 6, "minute": 35}
